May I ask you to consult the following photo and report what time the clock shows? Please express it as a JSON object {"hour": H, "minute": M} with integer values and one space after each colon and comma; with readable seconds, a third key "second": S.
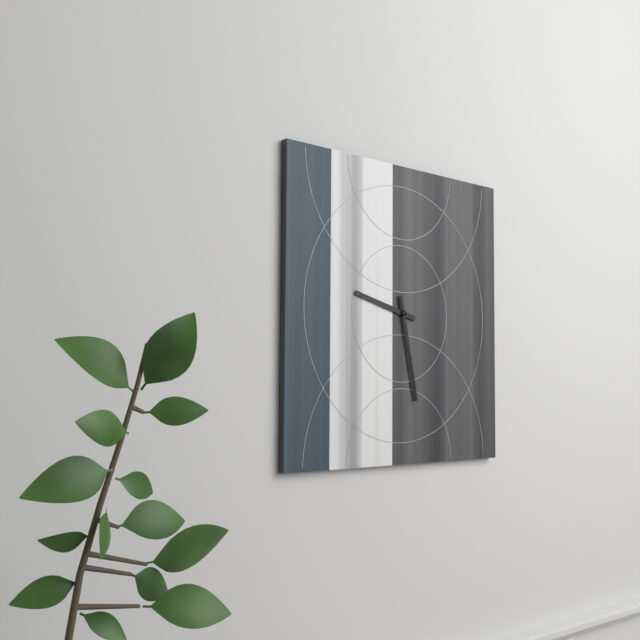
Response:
{"hour": 9, "minute": 28}
